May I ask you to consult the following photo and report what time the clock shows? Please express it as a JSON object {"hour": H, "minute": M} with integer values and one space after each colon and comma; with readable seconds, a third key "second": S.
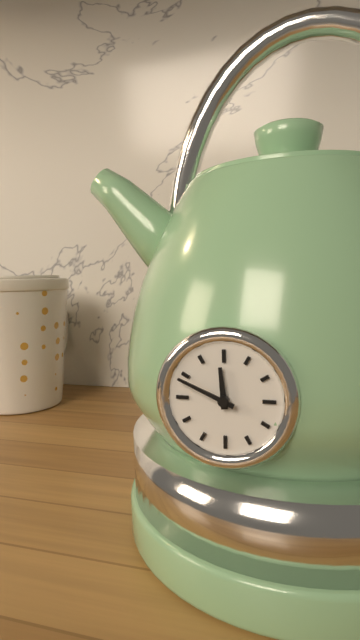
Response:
{"hour": 11, "minute": 49}
